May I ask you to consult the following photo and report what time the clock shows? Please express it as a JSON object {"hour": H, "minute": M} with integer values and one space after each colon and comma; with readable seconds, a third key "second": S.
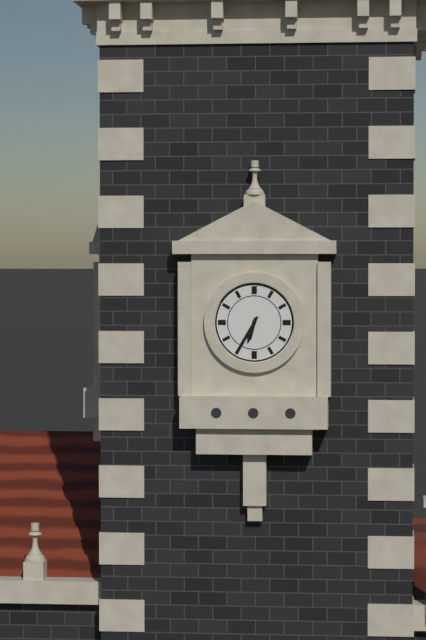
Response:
{"hour": 6, "minute": 35}
